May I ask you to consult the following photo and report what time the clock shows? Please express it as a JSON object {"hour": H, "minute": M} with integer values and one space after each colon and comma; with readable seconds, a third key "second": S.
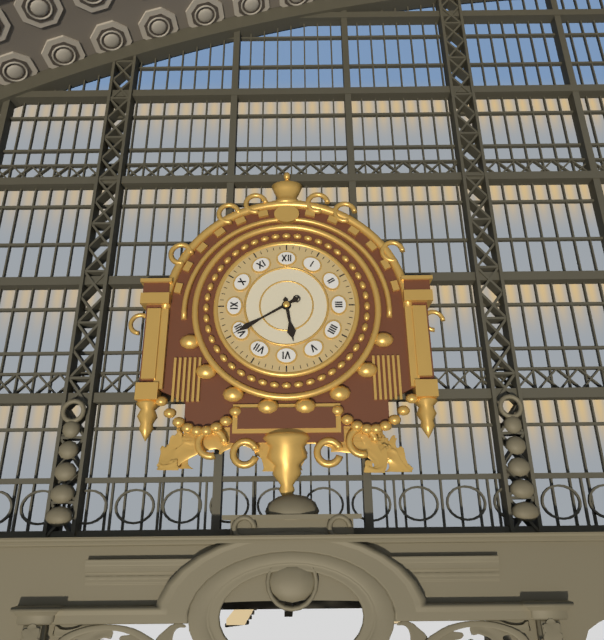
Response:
{"hour": 5, "minute": 40}
